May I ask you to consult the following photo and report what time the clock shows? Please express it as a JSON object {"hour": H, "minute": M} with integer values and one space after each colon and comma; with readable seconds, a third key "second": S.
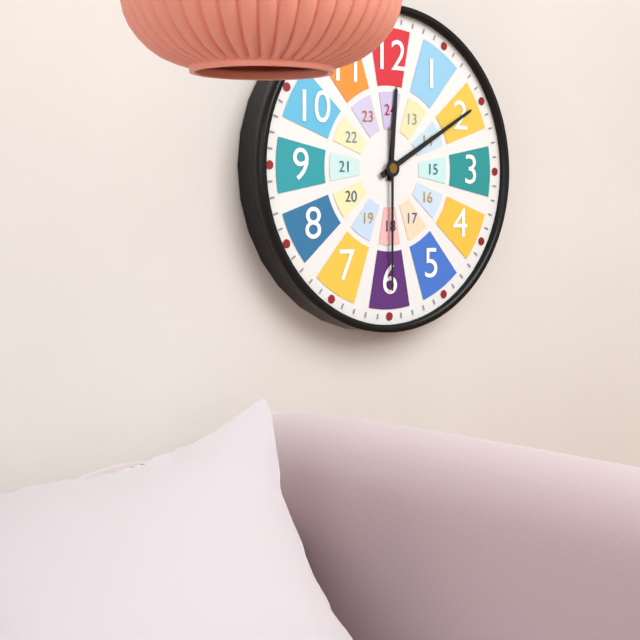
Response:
{"hour": 12, "minute": 10, "second": 30}
